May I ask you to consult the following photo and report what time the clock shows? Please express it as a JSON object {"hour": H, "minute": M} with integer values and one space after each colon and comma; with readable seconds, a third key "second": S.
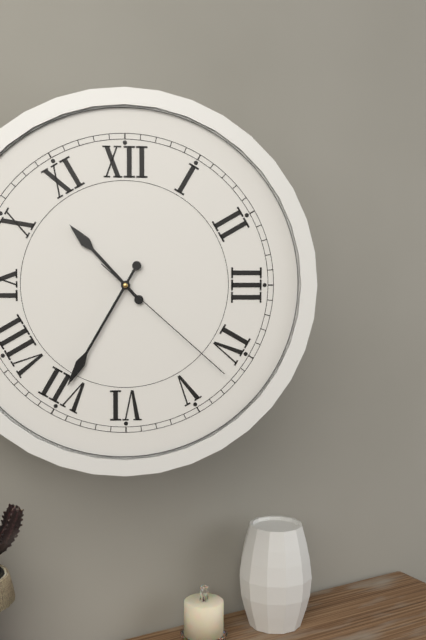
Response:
{"hour": 10, "minute": 35, "second": 22}
